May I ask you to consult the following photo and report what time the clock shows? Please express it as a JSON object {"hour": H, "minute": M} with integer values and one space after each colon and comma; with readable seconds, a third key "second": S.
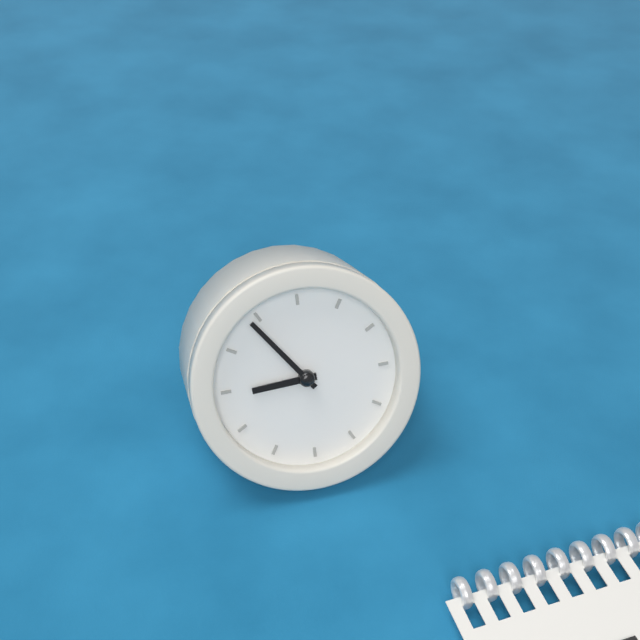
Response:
{"hour": 8, "minute": 54}
